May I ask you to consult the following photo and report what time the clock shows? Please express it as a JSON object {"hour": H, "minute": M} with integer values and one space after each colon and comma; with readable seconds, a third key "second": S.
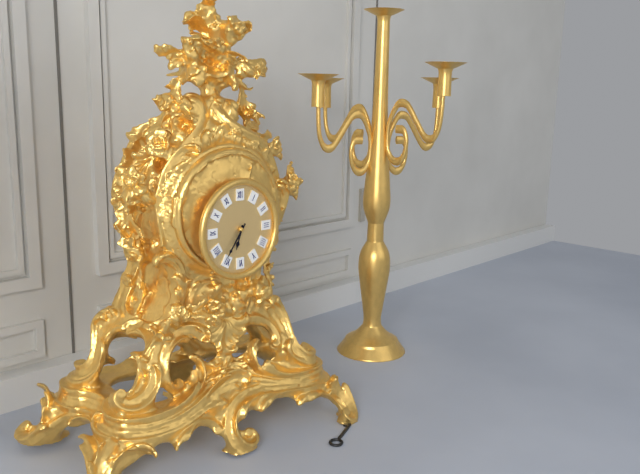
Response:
{"hour": 6, "minute": 36}
